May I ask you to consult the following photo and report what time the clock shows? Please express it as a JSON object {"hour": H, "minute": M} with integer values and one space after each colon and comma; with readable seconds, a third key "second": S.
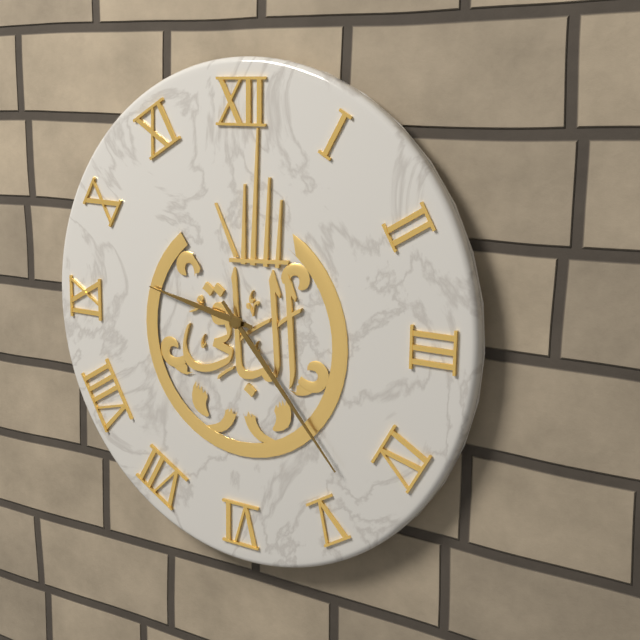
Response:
{"hour": 9, "minute": 23}
